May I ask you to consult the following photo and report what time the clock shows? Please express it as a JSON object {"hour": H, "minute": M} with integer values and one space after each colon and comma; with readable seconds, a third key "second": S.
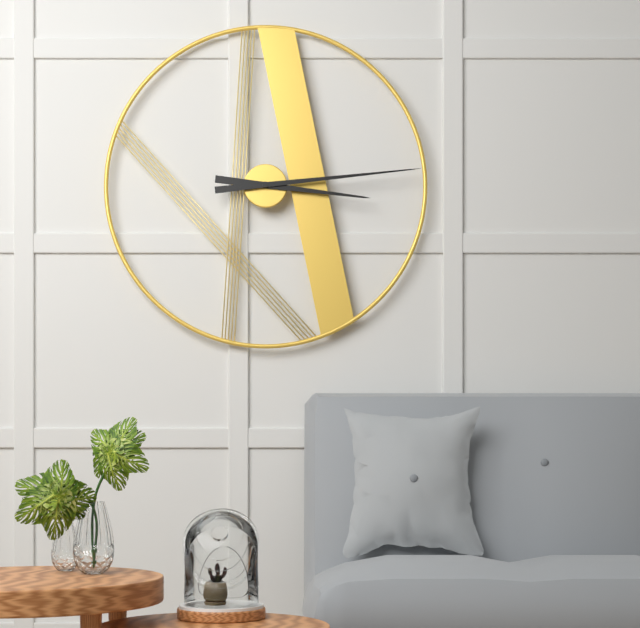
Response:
{"hour": 3, "minute": 14}
